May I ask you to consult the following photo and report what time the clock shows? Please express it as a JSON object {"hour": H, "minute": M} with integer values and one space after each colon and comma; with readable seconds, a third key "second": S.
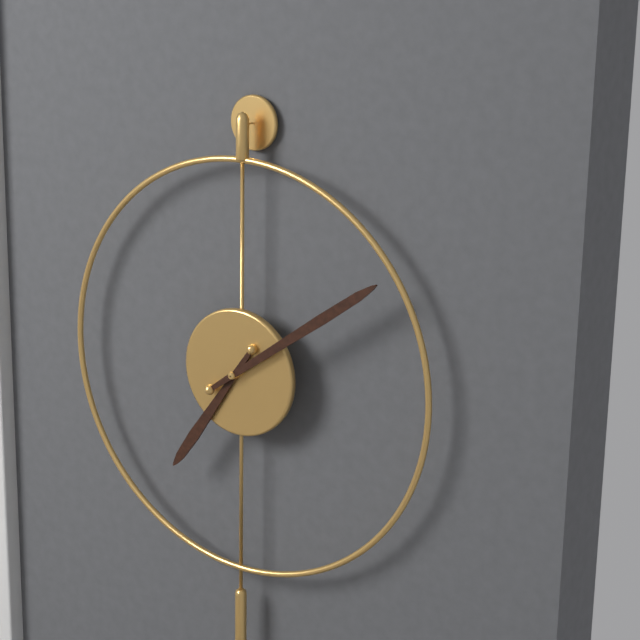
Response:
{"hour": 7, "minute": 9}
